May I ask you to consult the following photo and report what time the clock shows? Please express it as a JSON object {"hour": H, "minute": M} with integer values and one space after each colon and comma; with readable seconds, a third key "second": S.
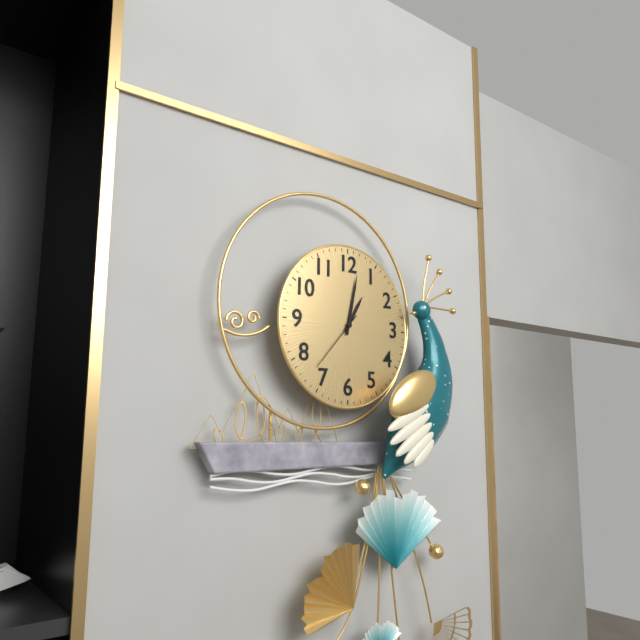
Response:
{"hour": 1, "minute": 2, "second": 37}
